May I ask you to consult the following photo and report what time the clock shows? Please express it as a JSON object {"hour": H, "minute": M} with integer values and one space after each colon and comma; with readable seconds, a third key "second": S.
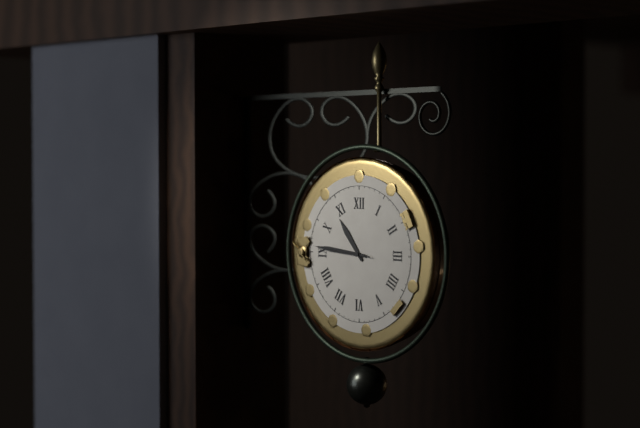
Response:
{"hour": 10, "minute": 46, "second": 46}
